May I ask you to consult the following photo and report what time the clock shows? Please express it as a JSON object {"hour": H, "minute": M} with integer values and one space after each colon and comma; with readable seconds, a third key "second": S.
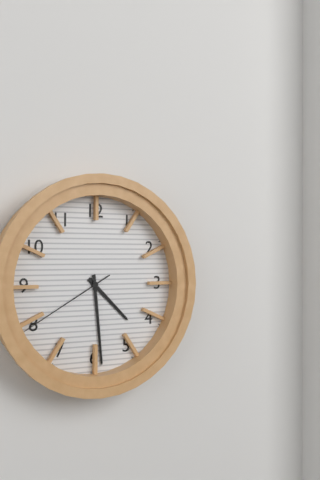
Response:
{"hour": 4, "minute": 29, "second": 40}
